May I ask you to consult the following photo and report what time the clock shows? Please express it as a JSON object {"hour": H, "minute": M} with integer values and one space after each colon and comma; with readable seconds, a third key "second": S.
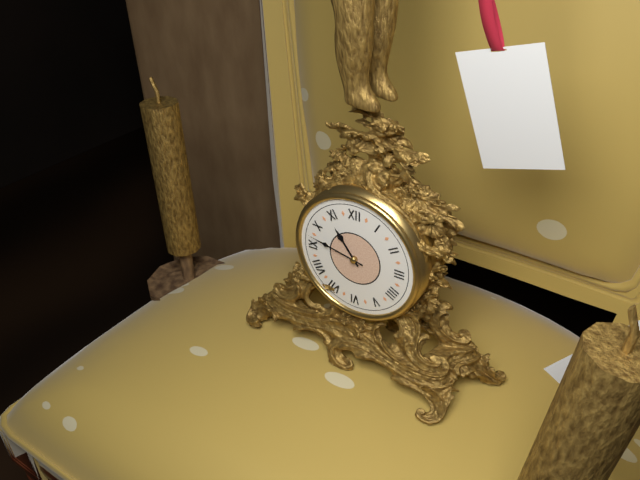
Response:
{"hour": 10, "minute": 47}
